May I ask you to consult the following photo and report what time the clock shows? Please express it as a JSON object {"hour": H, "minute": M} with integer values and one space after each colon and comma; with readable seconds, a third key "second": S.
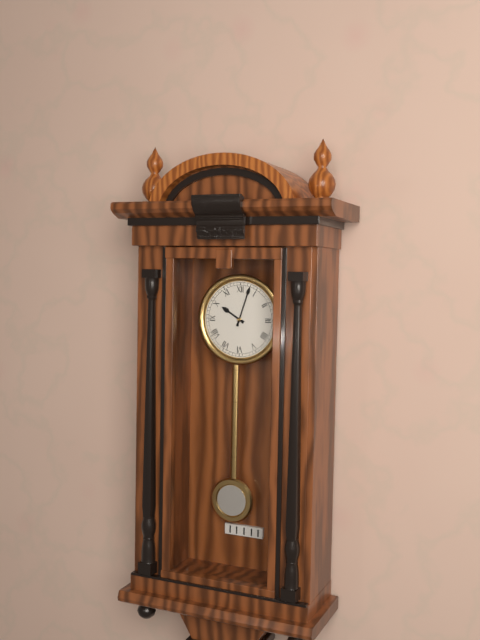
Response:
{"hour": 10, "minute": 3}
